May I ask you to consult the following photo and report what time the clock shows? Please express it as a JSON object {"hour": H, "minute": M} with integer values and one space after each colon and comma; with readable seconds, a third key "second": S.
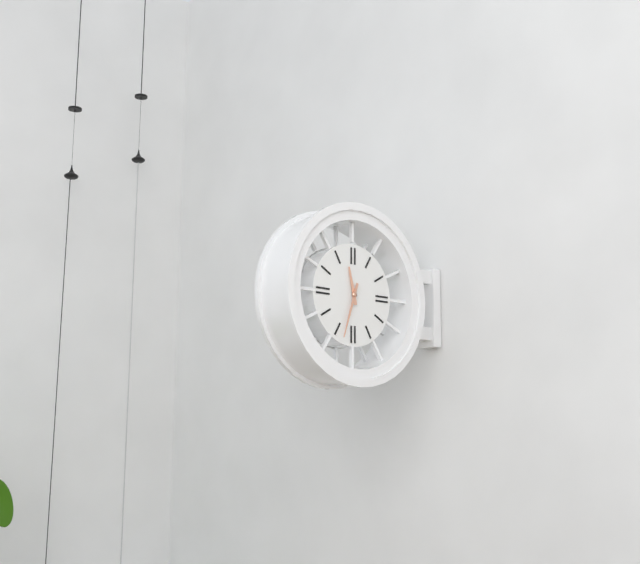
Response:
{"hour": 11, "minute": 33}
